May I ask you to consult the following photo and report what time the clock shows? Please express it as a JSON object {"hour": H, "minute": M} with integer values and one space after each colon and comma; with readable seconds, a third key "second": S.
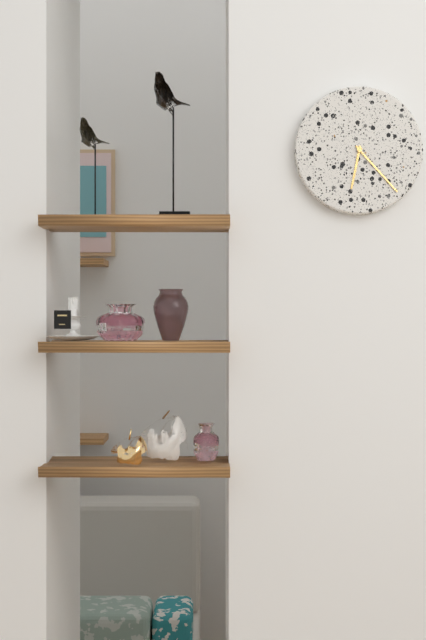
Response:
{"hour": 6, "minute": 23}
